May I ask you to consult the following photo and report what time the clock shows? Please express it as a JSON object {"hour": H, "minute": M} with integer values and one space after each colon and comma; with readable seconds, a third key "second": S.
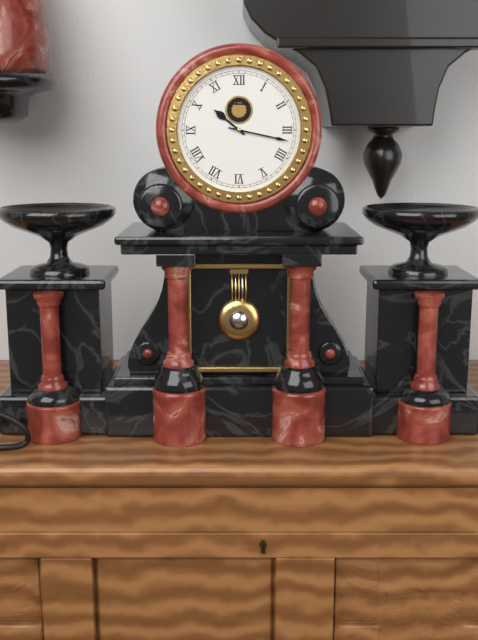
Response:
{"hour": 10, "minute": 17}
